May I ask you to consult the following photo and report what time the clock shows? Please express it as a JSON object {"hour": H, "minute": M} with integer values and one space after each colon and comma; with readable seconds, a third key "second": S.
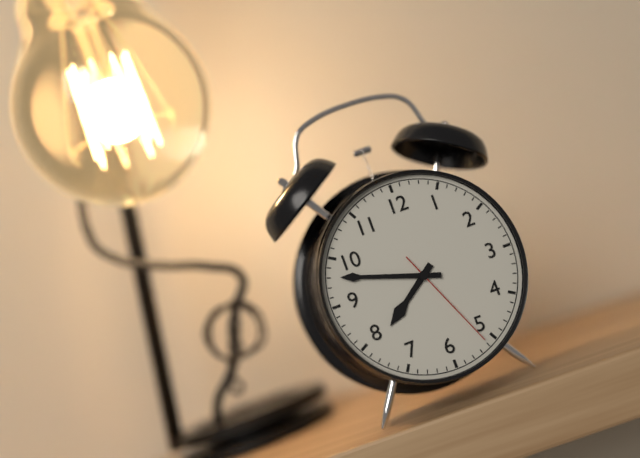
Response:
{"hour": 7, "minute": 48, "second": 26}
